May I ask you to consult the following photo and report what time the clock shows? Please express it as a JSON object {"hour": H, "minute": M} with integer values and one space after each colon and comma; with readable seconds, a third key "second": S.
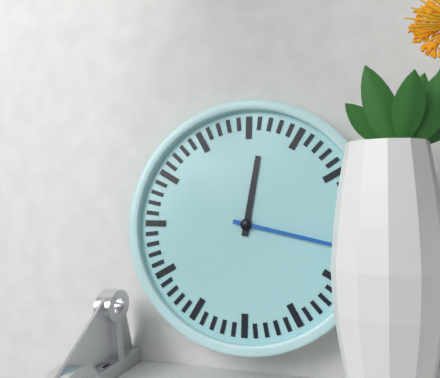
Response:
{"hour": 12, "minute": 17}
